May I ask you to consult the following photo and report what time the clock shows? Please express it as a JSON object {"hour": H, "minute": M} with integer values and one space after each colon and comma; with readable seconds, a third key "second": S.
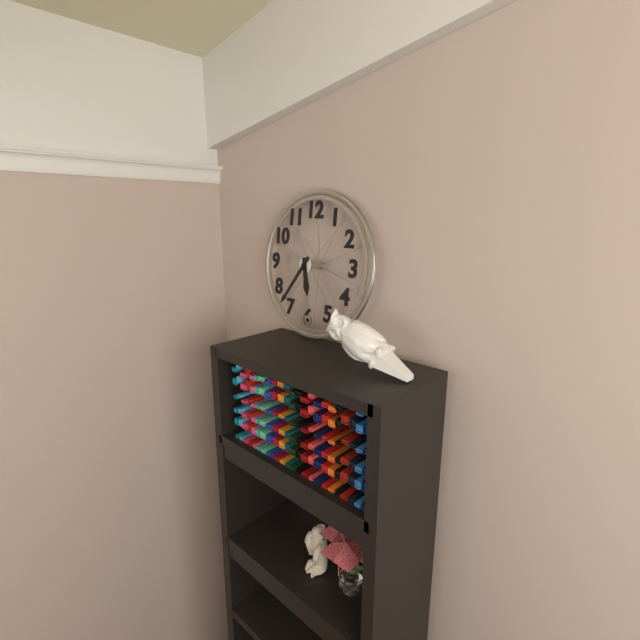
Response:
{"hour": 5, "minute": 36}
